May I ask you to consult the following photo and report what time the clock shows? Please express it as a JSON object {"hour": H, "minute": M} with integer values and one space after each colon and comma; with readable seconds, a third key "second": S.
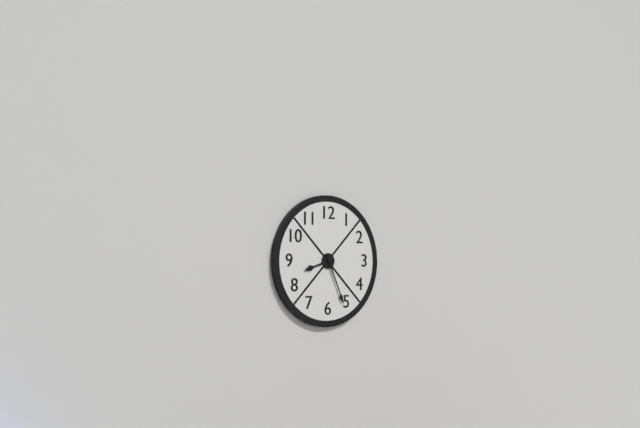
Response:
{"hour": 8, "minute": 26}
